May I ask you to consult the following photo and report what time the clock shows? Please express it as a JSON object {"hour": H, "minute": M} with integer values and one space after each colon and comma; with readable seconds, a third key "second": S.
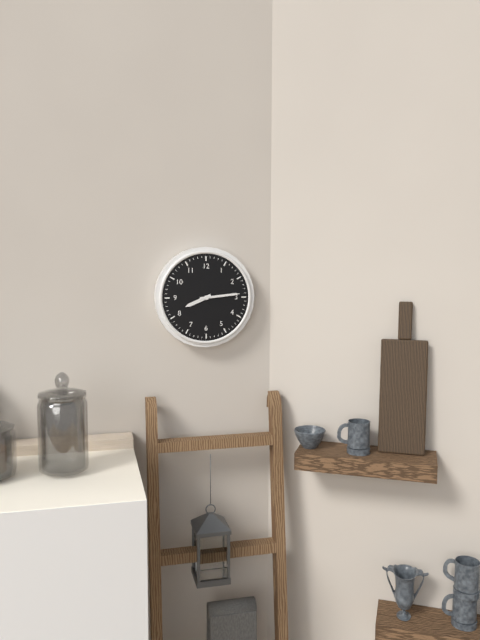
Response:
{"hour": 8, "minute": 14}
